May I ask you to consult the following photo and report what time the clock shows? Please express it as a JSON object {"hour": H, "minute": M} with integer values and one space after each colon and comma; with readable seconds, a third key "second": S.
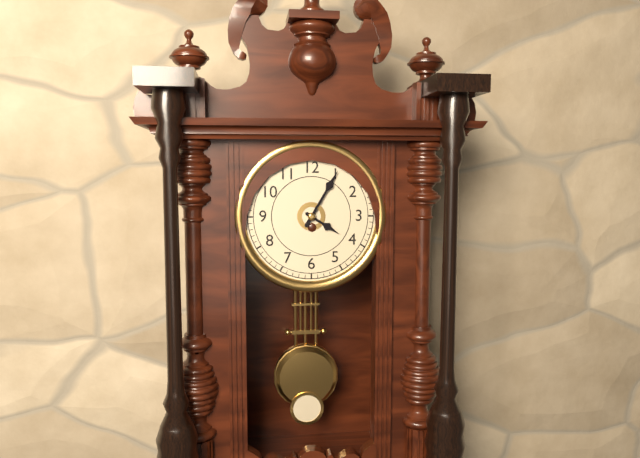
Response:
{"hour": 4, "minute": 5}
